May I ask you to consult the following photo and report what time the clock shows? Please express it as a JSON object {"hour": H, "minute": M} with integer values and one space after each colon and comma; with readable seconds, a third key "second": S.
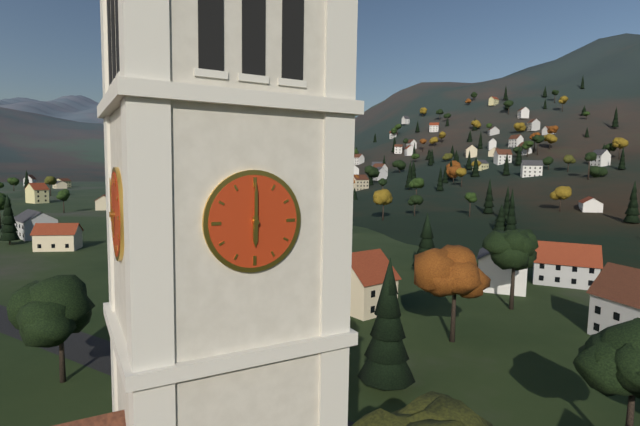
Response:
{"hour": 6, "minute": 0}
